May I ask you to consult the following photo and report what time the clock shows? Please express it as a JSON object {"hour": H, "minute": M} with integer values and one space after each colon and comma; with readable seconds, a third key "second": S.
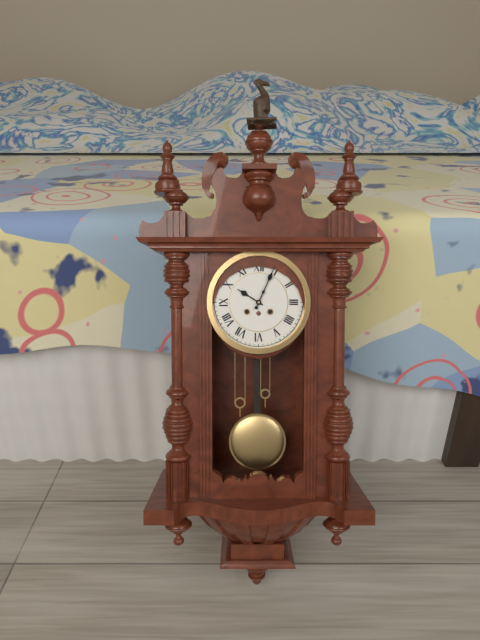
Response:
{"hour": 10, "minute": 4}
